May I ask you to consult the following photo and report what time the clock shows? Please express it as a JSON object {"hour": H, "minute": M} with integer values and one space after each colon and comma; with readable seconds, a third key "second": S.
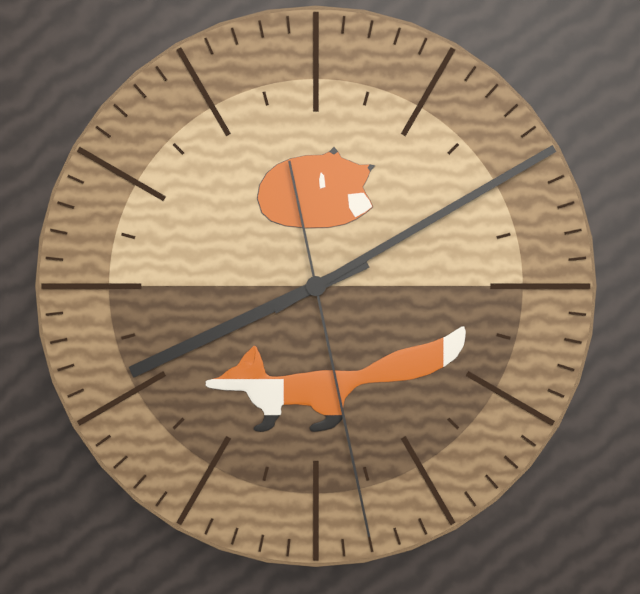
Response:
{"hour": 8, "minute": 10, "second": 28}
